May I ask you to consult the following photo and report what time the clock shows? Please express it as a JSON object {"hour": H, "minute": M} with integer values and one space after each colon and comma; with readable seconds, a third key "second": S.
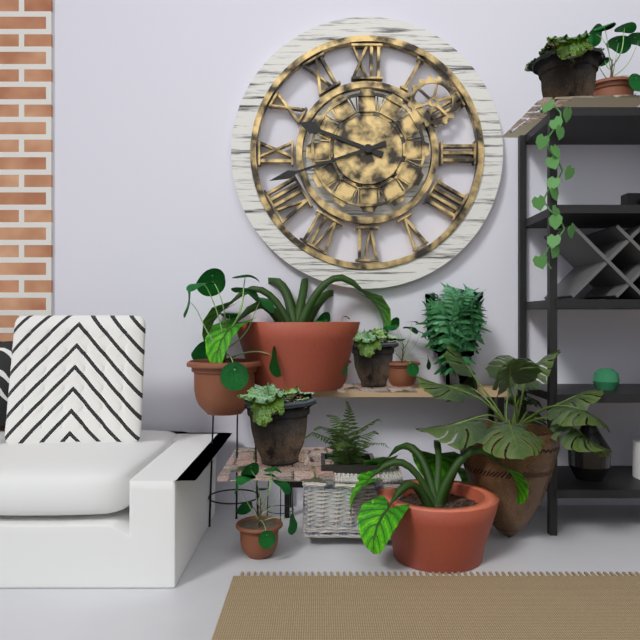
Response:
{"hour": 9, "minute": 42}
